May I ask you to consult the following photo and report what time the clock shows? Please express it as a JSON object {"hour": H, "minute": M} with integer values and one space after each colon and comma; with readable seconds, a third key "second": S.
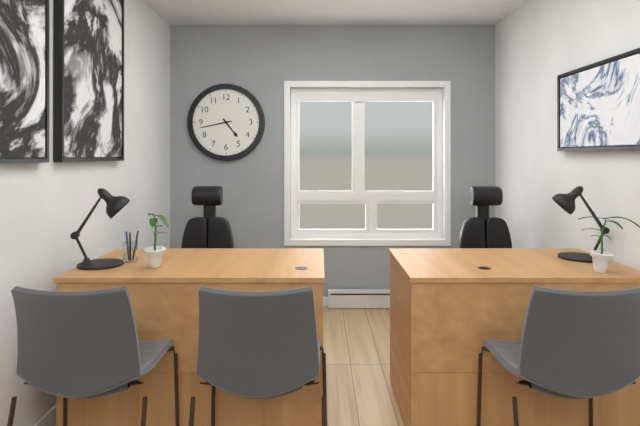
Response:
{"hour": 4, "minute": 43}
